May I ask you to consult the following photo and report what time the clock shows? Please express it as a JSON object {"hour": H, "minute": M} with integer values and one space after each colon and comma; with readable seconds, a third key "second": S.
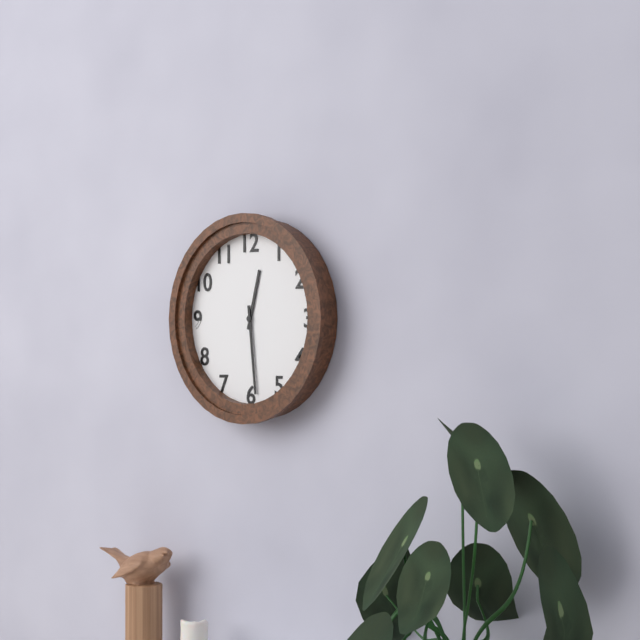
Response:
{"hour": 12, "minute": 29}
